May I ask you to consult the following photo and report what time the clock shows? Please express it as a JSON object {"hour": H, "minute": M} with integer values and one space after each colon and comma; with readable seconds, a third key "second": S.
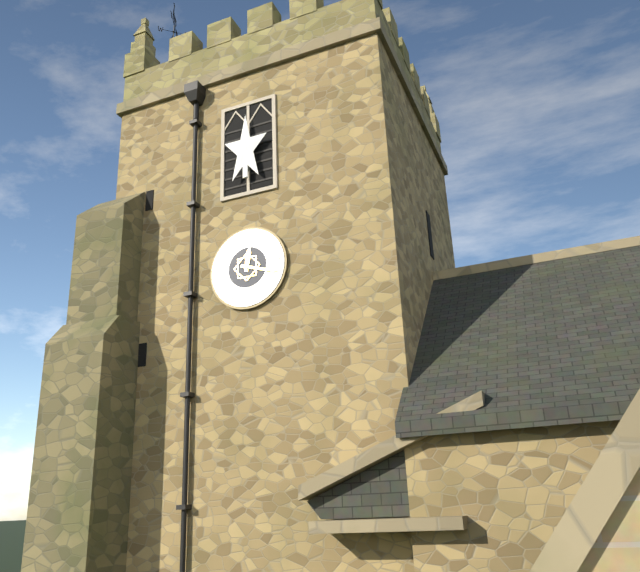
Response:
{"hour": 12, "minute": 18}
